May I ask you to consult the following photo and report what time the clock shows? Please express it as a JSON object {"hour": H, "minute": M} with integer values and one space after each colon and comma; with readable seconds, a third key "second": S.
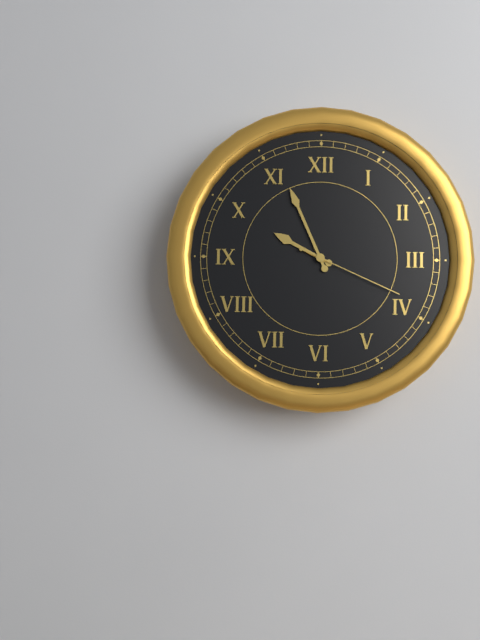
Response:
{"hour": 9, "minute": 56, "second": 19}
